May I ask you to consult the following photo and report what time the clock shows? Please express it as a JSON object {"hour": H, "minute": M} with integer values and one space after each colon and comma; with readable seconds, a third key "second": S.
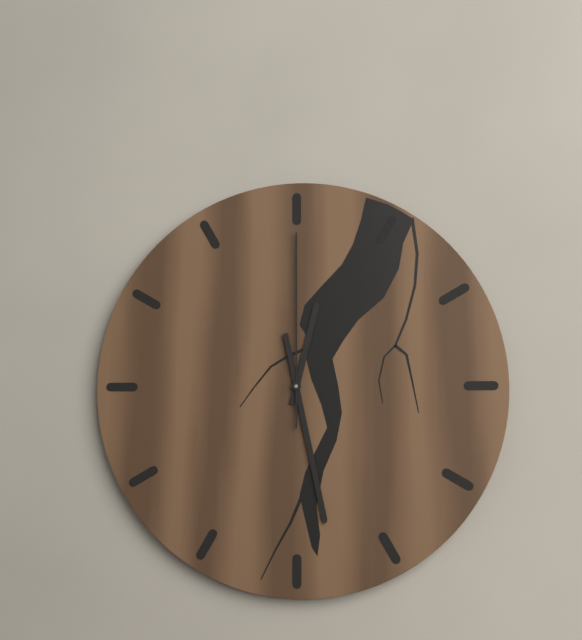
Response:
{"hour": 12, "minute": 28, "second": 0}
